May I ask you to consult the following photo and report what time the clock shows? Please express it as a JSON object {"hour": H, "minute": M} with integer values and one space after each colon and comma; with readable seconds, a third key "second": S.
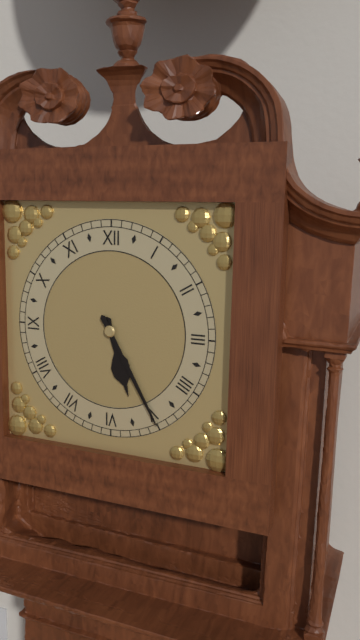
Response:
{"hour": 5, "minute": 25}
